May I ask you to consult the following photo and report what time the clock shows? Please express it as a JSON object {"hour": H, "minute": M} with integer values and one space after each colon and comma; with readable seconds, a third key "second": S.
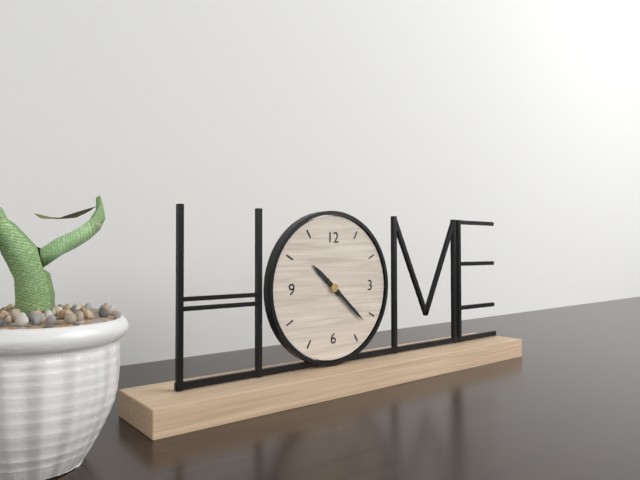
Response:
{"hour": 10, "minute": 22}
